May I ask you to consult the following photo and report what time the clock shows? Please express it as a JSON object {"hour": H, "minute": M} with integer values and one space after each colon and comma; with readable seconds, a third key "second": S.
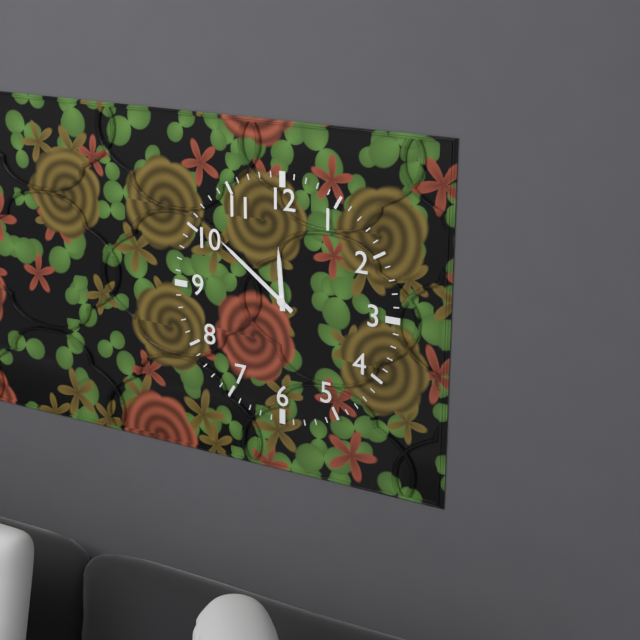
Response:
{"hour": 11, "minute": 51}
